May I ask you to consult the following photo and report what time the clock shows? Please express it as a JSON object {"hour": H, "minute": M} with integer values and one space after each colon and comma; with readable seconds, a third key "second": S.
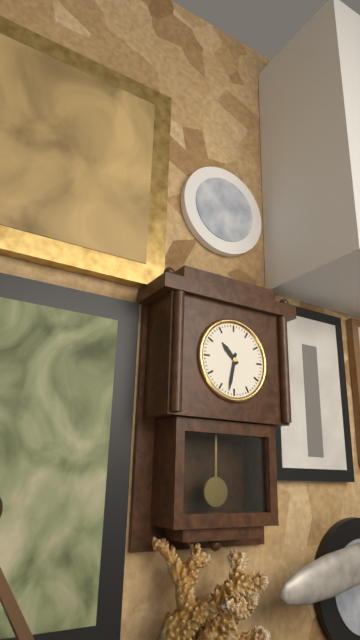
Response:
{"hour": 10, "minute": 32}
